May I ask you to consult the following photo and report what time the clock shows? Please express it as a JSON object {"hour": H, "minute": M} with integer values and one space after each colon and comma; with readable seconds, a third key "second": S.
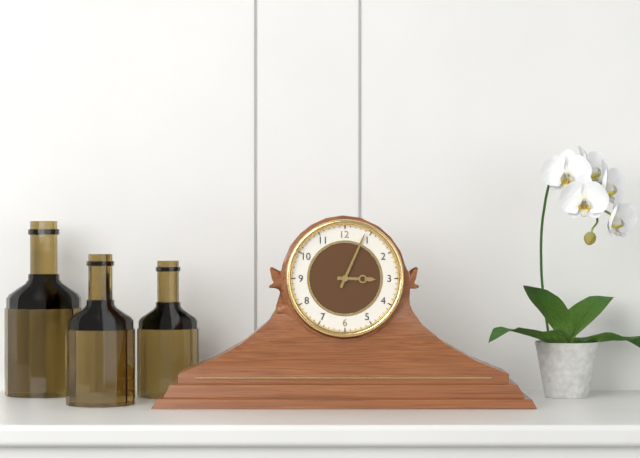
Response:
{"hour": 3, "minute": 4}
